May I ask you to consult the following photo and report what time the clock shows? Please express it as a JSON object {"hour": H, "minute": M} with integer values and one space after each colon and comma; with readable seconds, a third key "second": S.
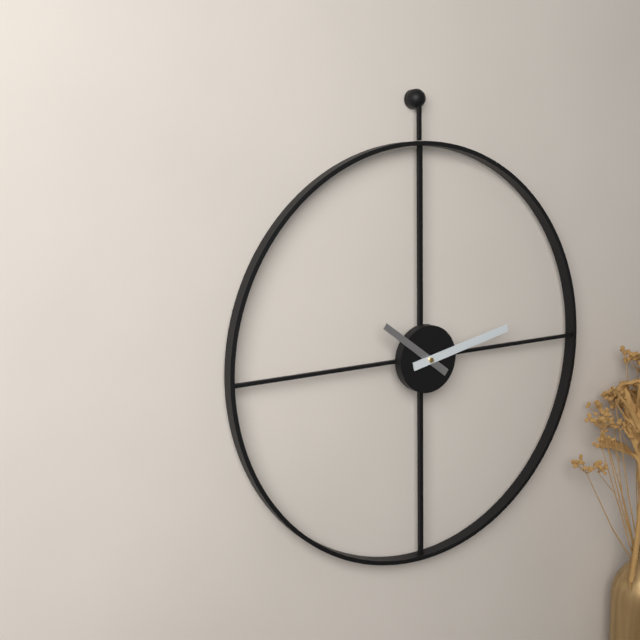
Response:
{"hour": 10, "minute": 13}
